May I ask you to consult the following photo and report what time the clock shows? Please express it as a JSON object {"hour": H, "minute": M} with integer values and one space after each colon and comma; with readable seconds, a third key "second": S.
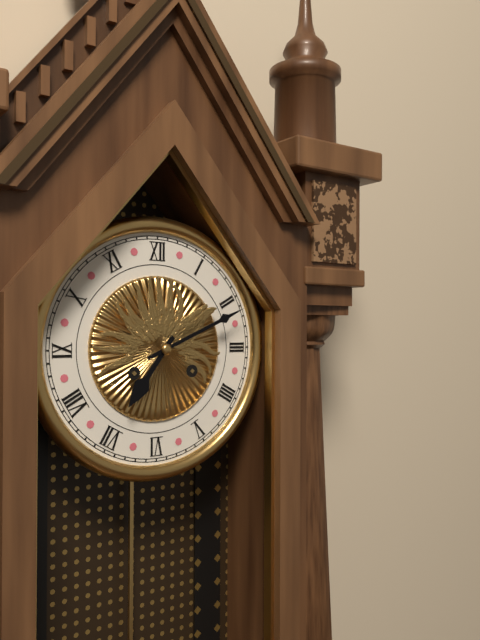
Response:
{"hour": 7, "minute": 11}
